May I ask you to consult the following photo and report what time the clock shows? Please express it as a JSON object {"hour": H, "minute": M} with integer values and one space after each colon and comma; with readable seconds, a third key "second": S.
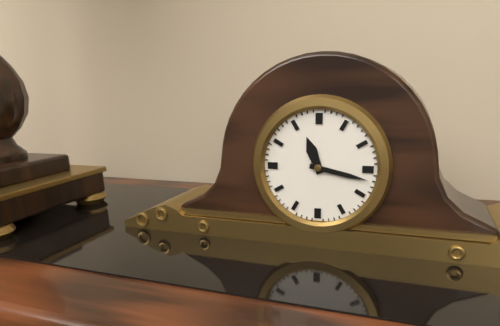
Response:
{"hour": 11, "minute": 17}
